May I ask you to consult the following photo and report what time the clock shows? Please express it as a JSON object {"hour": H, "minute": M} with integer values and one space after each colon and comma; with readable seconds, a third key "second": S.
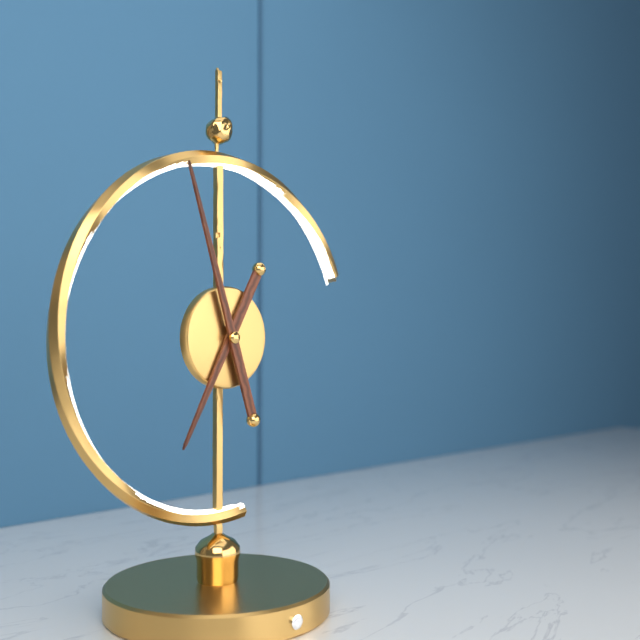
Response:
{"hour": 6, "minute": 57}
